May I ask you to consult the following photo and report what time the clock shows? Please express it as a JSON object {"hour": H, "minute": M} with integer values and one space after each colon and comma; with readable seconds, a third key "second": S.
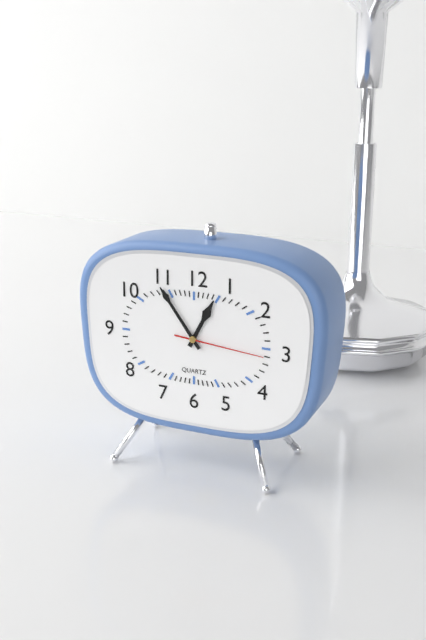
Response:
{"hour": 12, "minute": 54, "second": 16}
